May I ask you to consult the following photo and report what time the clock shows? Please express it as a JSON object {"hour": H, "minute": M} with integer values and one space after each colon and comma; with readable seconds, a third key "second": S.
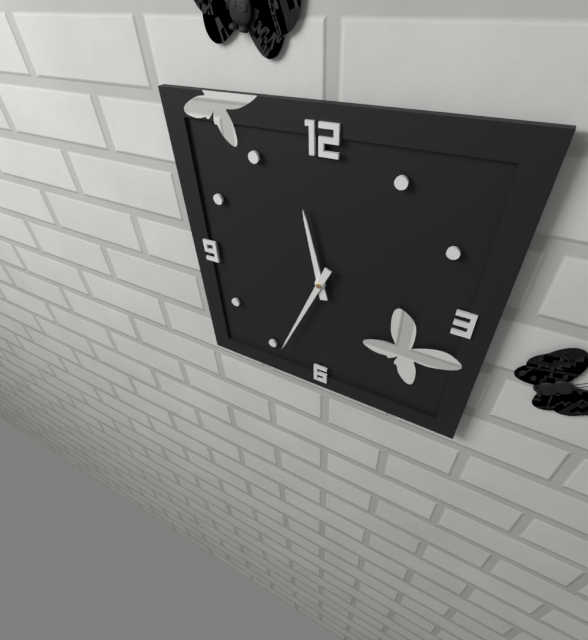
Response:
{"hour": 11, "minute": 34}
